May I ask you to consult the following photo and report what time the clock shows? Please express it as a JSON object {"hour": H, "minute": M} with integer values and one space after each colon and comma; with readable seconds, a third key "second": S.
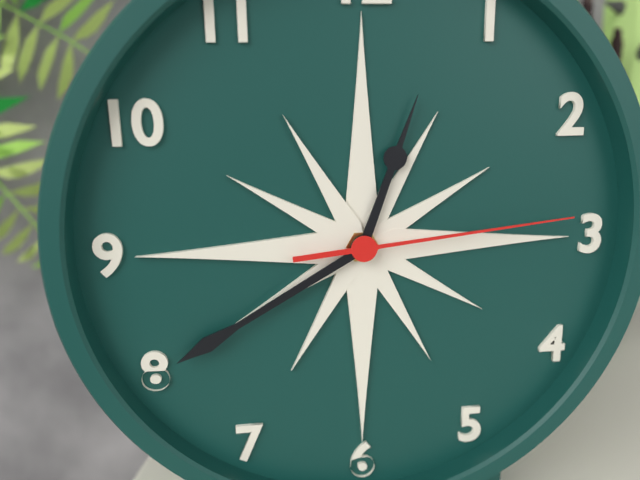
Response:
{"hour": 12, "minute": 40, "second": 14}
